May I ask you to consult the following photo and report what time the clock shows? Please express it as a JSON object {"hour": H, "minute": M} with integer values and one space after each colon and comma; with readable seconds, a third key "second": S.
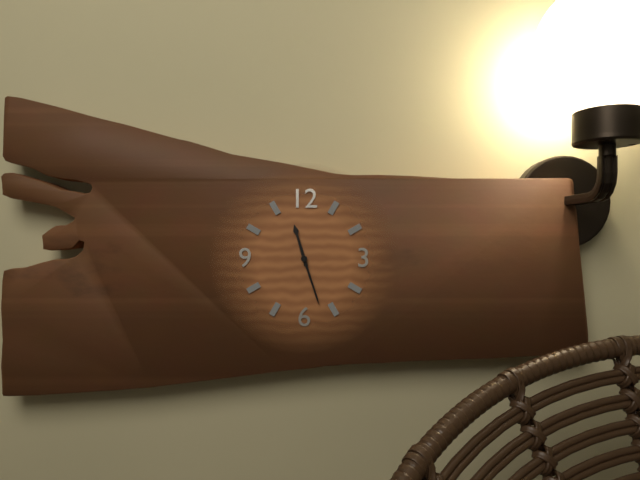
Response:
{"hour": 11, "minute": 27}
